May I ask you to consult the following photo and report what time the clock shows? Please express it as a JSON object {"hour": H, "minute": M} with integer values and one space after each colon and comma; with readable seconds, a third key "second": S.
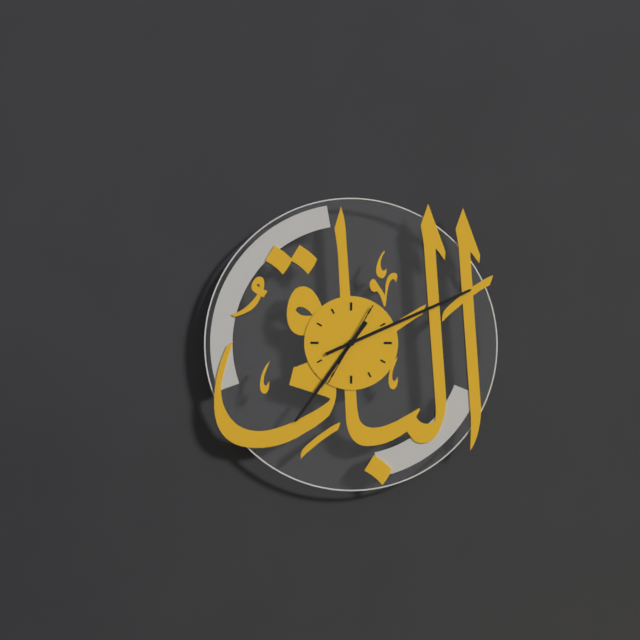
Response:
{"hour": 7, "minute": 11, "second": 35}
